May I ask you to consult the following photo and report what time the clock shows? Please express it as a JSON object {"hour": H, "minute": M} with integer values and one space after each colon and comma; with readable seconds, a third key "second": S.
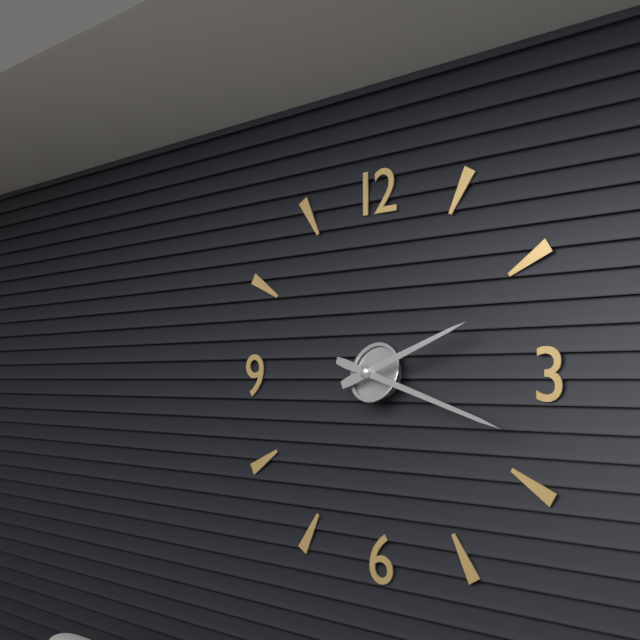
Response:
{"hour": 2, "minute": 18}
